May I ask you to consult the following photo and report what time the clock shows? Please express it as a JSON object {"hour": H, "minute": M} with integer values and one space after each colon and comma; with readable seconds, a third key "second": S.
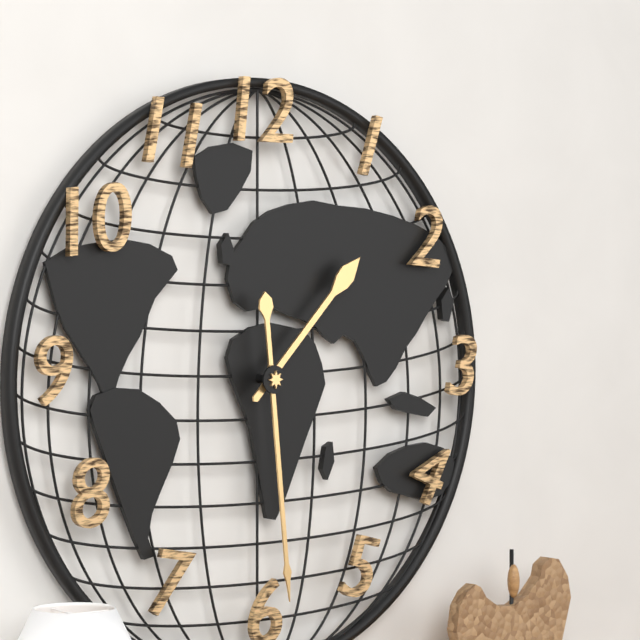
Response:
{"hour": 1, "minute": 29}
